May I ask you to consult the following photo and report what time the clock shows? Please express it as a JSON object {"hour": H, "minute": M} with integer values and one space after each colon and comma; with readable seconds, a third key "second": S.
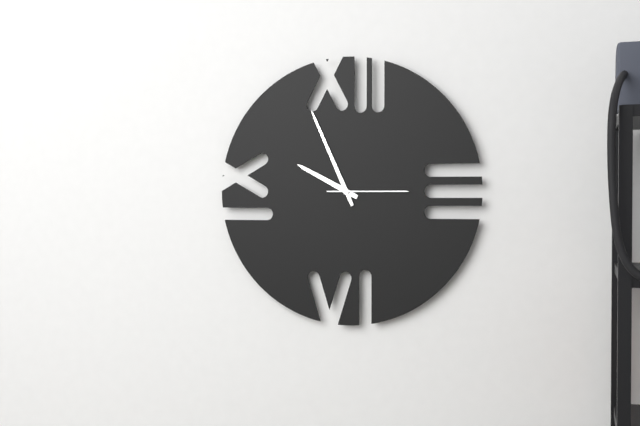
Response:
{"hour": 9, "minute": 56, "second": 15}
